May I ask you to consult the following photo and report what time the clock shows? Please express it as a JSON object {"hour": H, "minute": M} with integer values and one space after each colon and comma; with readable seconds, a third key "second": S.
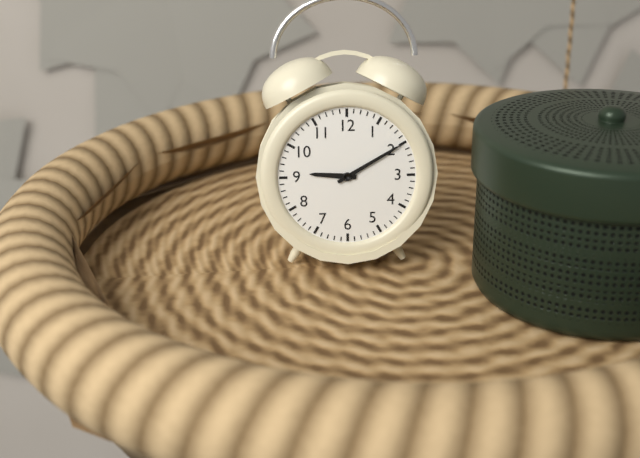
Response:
{"hour": 9, "minute": 10}
